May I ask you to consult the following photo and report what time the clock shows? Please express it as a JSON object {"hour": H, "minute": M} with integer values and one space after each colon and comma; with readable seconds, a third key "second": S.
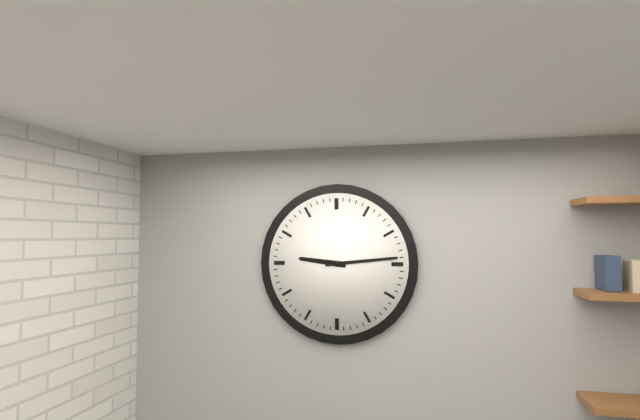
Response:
{"hour": 9, "minute": 14}
